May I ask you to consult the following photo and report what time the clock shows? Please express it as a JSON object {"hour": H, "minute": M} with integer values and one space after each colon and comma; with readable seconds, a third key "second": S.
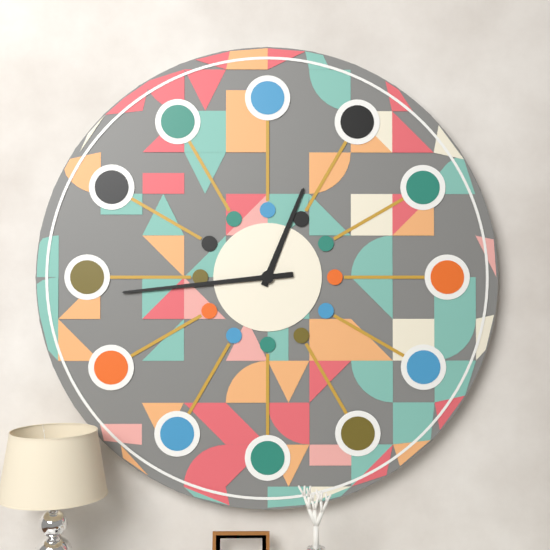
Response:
{"hour": 12, "minute": 44}
